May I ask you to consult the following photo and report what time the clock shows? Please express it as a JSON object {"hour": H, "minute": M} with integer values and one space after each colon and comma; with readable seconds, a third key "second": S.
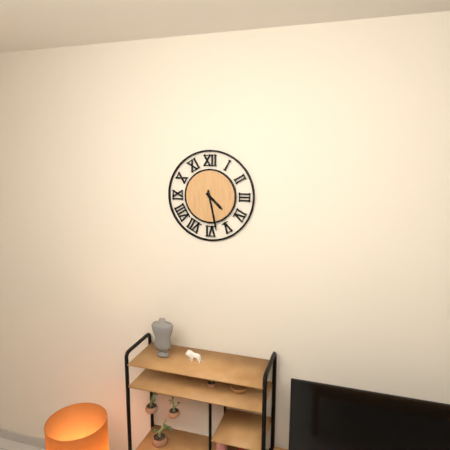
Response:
{"hour": 4, "minute": 28}
